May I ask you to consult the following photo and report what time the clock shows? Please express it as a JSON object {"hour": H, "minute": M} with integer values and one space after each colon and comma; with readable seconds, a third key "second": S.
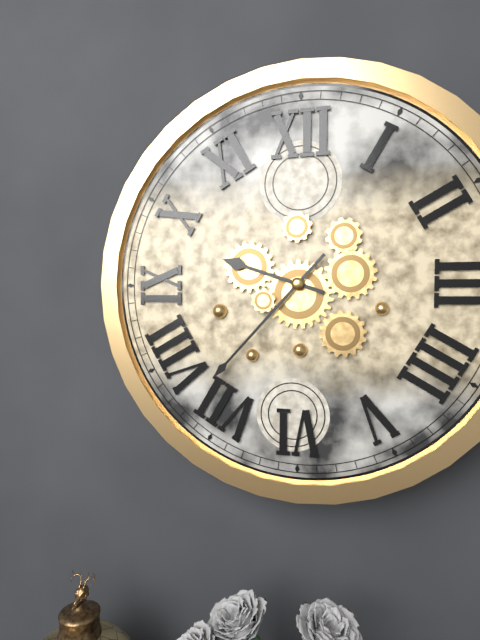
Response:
{"hour": 9, "minute": 37}
